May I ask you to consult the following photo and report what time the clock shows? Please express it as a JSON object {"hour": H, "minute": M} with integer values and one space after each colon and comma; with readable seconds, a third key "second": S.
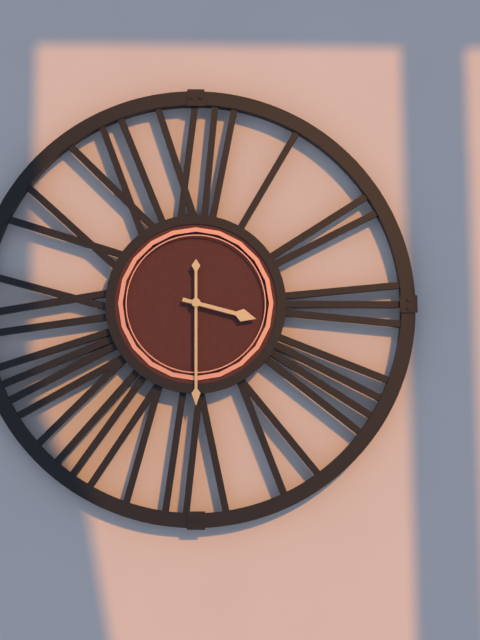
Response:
{"hour": 3, "minute": 30}
